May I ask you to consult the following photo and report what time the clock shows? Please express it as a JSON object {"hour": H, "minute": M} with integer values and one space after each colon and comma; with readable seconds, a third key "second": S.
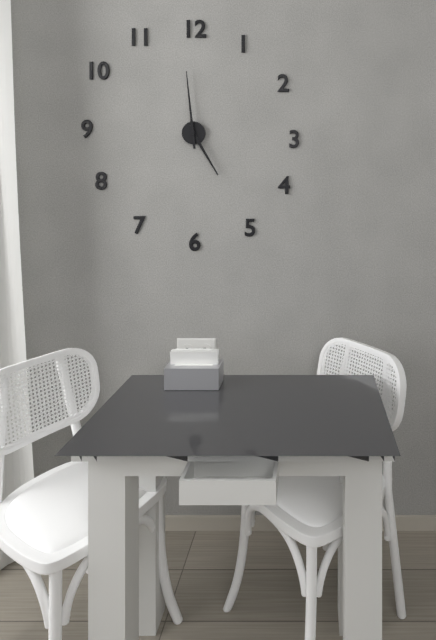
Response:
{"hour": 4, "minute": 59}
